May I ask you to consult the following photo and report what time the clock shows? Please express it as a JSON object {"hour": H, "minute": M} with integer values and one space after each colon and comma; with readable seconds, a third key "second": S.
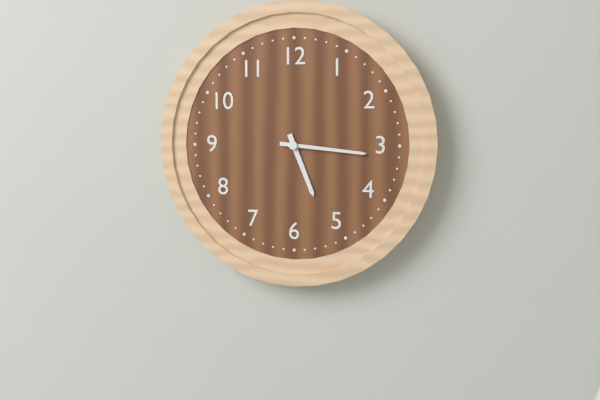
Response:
{"hour": 5, "minute": 16}
